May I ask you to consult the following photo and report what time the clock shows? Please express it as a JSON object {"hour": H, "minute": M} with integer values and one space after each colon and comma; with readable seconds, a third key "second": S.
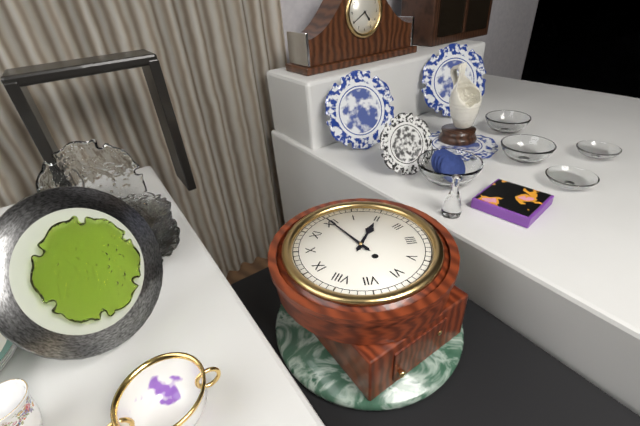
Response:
{"hour": 2, "minute": 0}
